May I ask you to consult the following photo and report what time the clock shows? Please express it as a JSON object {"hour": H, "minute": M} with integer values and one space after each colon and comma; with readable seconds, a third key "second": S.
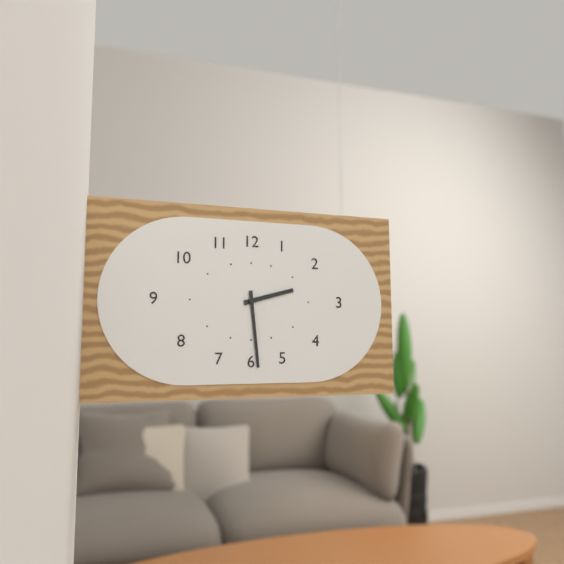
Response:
{"hour": 2, "minute": 29}
